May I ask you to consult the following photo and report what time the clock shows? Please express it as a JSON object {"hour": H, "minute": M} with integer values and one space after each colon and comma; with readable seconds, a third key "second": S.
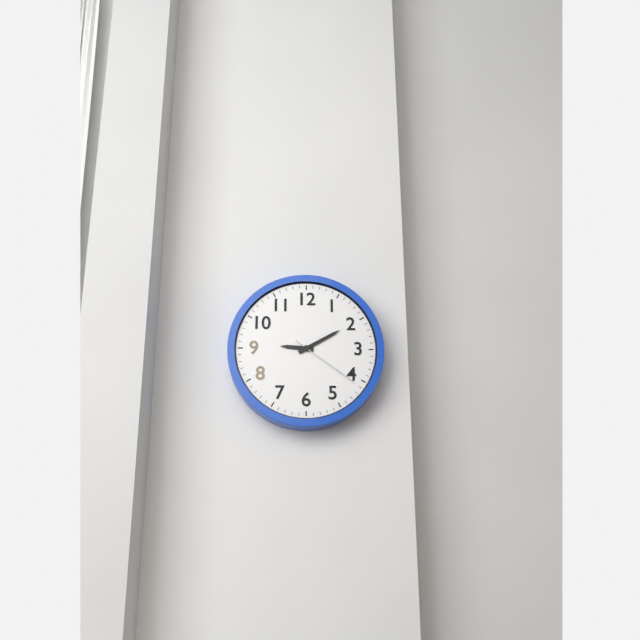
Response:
{"hour": 9, "minute": 10, "second": 21}
